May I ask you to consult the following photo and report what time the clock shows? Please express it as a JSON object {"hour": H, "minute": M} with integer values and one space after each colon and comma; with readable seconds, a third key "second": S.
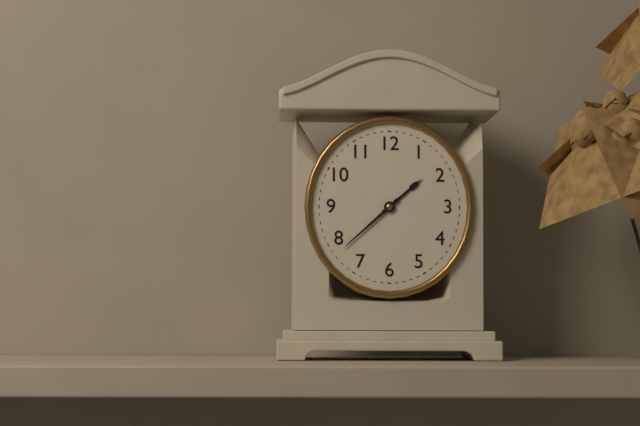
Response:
{"hour": 1, "minute": 38}
